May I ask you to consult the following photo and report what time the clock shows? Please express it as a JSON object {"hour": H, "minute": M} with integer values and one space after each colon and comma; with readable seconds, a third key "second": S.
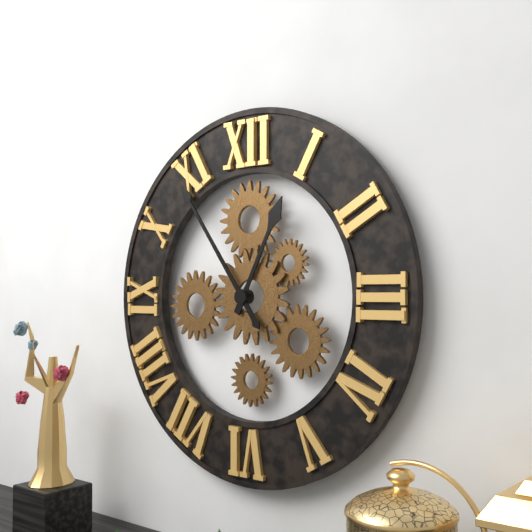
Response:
{"hour": 12, "minute": 54}
